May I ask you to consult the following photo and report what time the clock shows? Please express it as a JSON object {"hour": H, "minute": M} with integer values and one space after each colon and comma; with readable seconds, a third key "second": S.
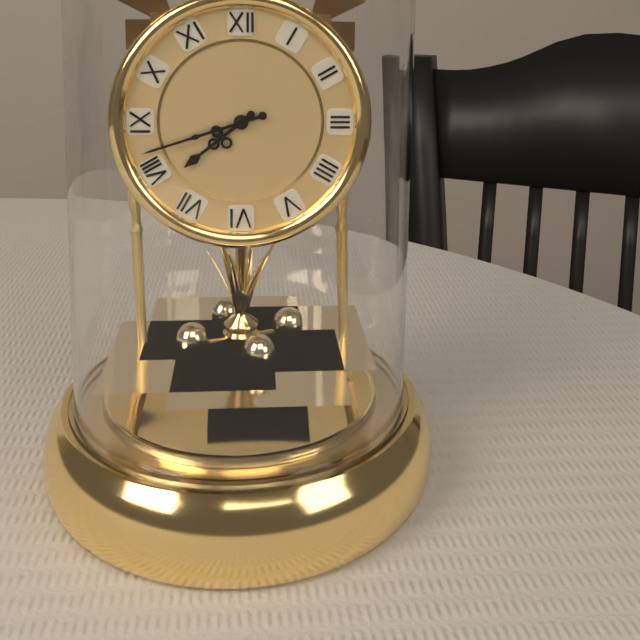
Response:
{"hour": 7, "minute": 42}
